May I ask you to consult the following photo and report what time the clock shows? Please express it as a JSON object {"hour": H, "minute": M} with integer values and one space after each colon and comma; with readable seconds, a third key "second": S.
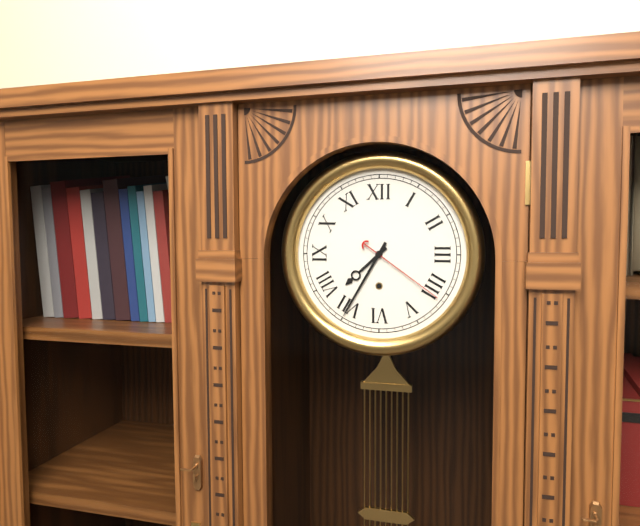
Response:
{"hour": 7, "minute": 35, "second": 21}
